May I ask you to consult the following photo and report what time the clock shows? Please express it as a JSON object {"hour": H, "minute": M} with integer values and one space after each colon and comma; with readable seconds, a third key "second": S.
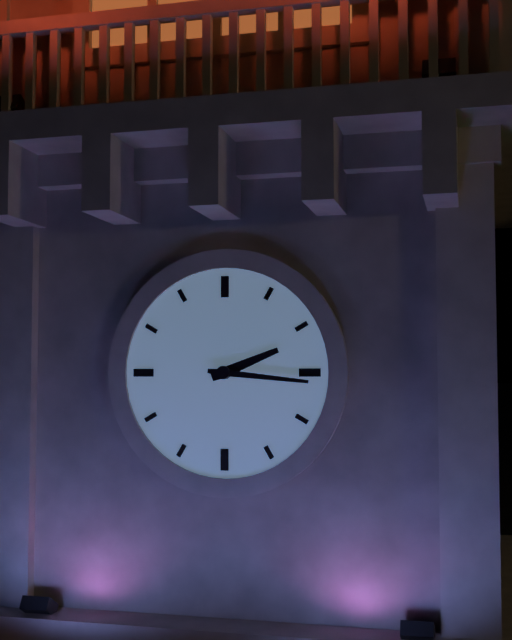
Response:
{"hour": 2, "minute": 16}
